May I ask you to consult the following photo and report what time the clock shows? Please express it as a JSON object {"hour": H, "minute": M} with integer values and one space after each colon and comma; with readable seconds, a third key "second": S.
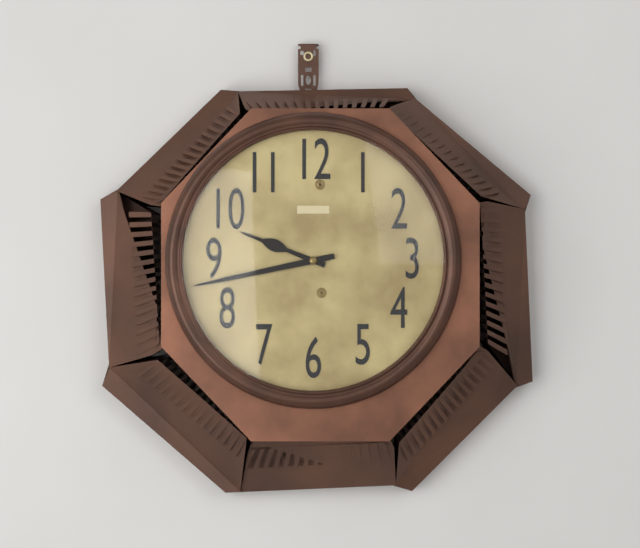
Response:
{"hour": 9, "minute": 43}
